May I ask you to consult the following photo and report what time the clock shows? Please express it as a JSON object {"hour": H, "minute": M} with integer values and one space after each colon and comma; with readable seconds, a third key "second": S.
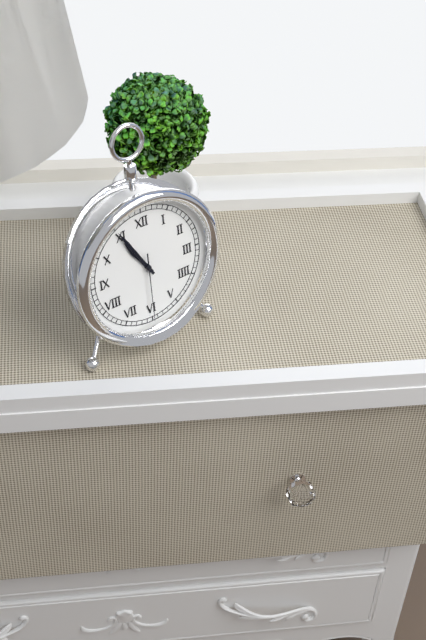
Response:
{"hour": 10, "minute": 55, "second": 30}
